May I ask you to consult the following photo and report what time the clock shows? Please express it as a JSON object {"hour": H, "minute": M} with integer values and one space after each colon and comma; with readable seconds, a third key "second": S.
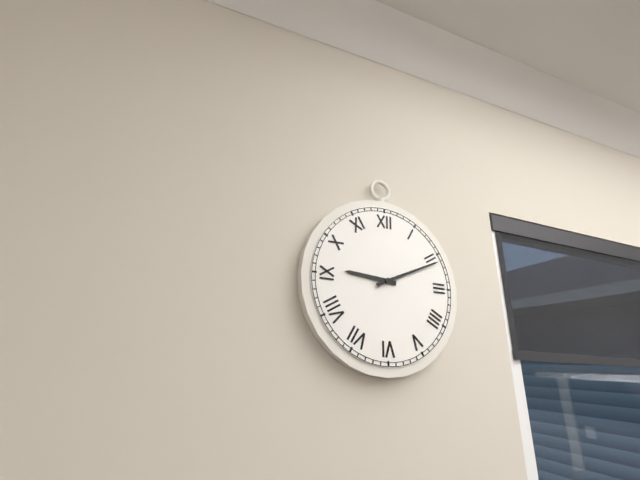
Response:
{"hour": 9, "minute": 11}
